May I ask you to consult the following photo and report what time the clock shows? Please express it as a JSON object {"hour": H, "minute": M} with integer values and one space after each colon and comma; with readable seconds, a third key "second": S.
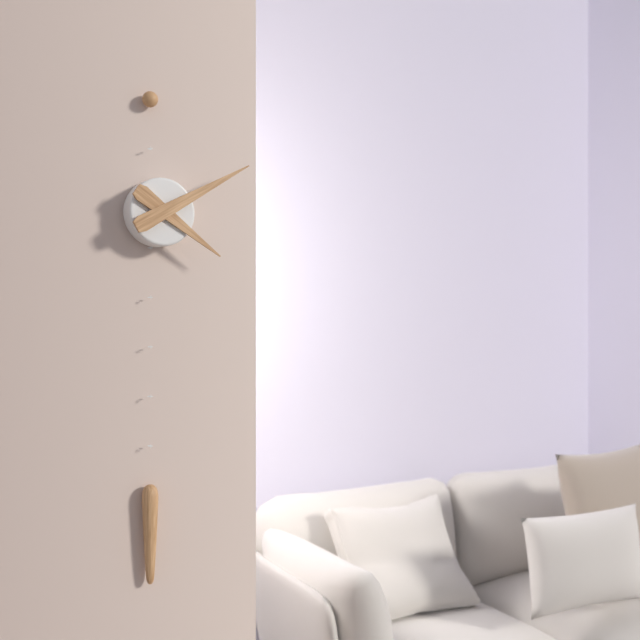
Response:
{"hour": 4, "minute": 10}
